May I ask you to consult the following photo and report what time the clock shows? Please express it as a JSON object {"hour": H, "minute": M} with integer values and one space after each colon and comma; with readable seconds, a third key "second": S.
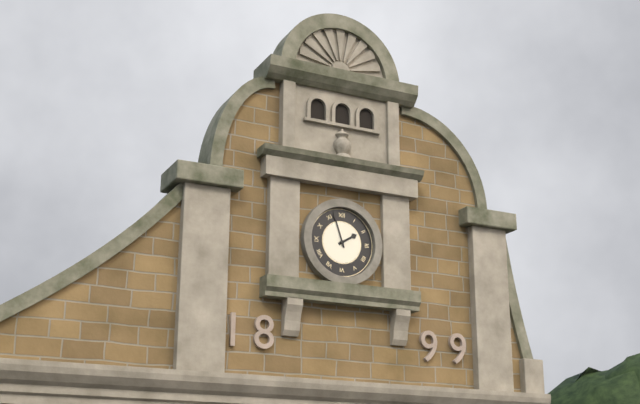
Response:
{"hour": 1, "minute": 57}
